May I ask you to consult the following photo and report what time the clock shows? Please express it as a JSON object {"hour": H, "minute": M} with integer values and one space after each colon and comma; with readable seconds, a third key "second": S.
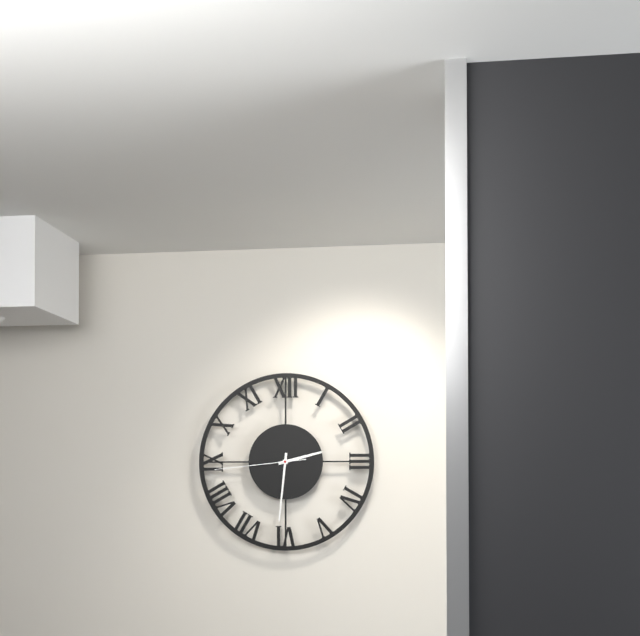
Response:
{"hour": 2, "minute": 31, "second": 44}
